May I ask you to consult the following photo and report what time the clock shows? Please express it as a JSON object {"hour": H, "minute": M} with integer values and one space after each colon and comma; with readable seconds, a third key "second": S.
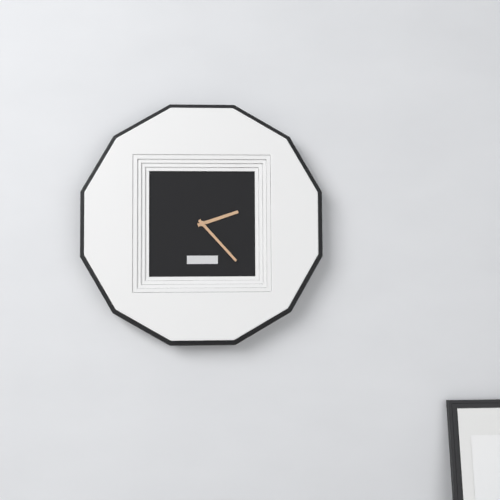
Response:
{"hour": 2, "minute": 23}
